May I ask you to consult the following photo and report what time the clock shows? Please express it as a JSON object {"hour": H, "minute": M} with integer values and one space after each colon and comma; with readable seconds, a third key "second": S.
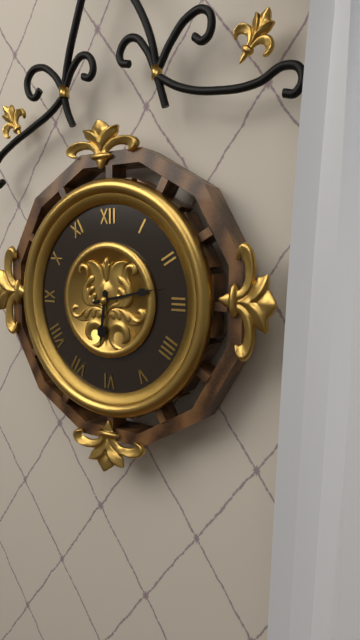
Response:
{"hour": 6, "minute": 13}
